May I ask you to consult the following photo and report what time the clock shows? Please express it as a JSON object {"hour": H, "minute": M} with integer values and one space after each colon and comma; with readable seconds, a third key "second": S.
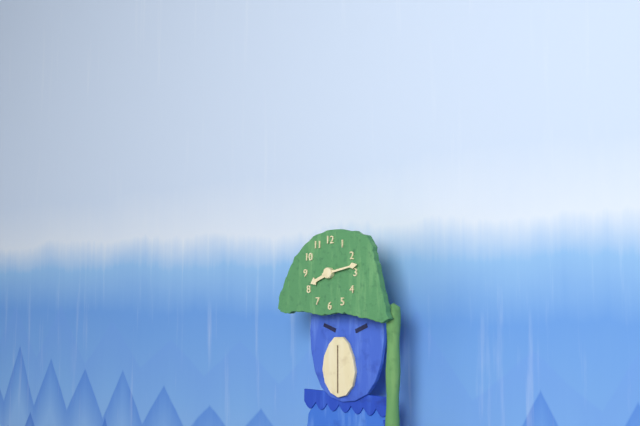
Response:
{"hour": 8, "minute": 13}
